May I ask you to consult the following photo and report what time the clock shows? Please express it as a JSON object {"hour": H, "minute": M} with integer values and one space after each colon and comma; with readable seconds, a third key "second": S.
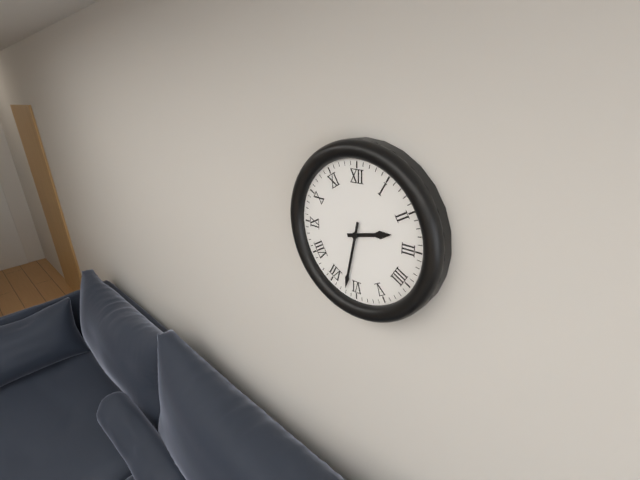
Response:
{"hour": 2, "minute": 32}
